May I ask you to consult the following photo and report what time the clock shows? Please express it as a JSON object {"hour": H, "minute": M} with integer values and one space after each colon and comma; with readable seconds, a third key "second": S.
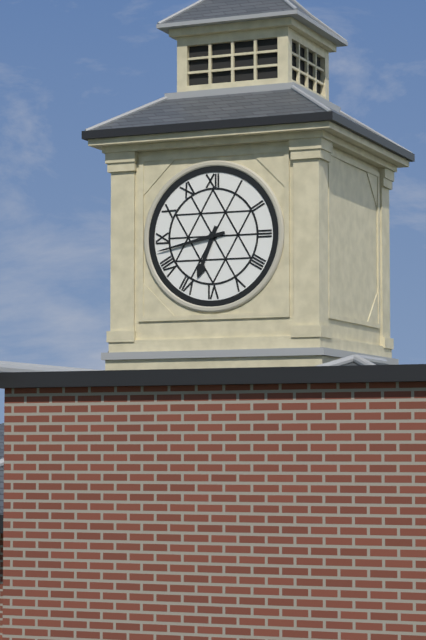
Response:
{"hour": 6, "minute": 43}
